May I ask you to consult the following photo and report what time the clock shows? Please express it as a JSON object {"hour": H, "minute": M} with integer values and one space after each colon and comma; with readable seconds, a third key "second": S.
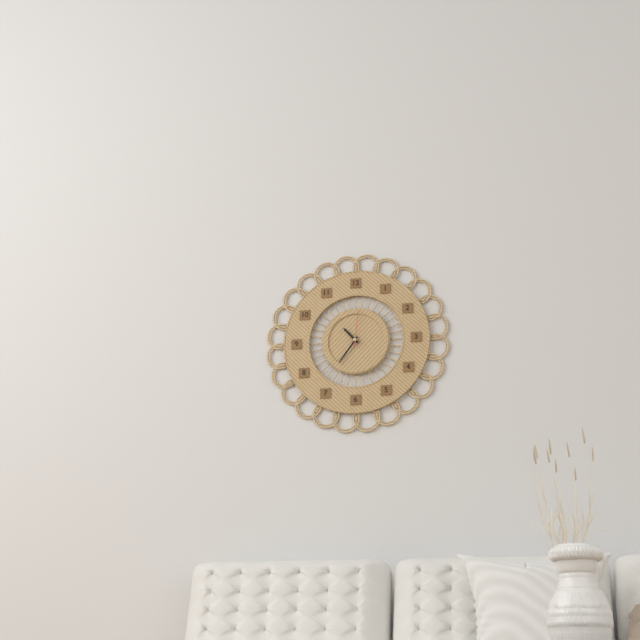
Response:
{"hour": 10, "minute": 36}
